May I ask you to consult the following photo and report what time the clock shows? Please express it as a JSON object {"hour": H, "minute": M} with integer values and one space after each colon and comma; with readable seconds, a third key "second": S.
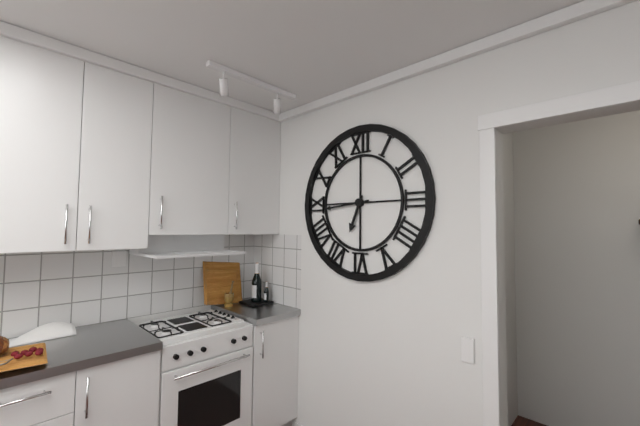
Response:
{"hour": 6, "minute": 44}
